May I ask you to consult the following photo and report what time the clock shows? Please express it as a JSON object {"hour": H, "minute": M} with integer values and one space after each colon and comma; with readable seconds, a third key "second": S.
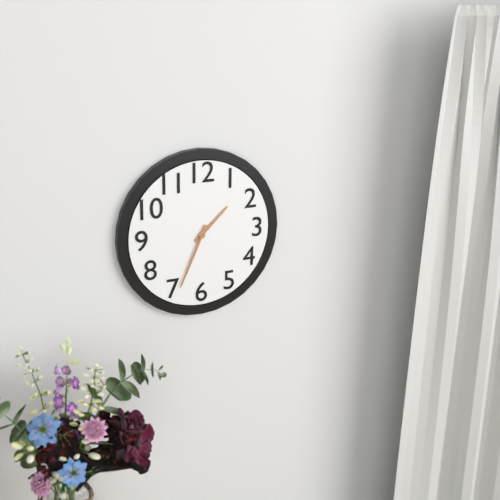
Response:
{"hour": 1, "minute": 34}
